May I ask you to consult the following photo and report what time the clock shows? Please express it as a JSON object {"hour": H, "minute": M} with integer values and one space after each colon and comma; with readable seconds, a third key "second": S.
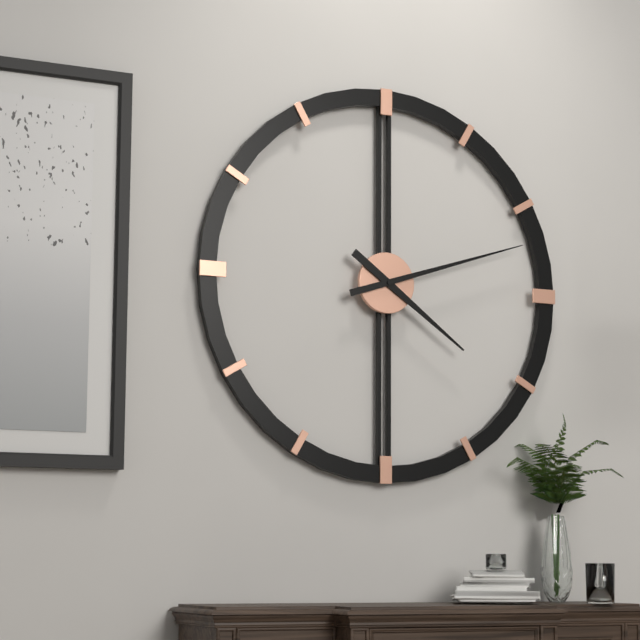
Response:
{"hour": 4, "minute": 12}
